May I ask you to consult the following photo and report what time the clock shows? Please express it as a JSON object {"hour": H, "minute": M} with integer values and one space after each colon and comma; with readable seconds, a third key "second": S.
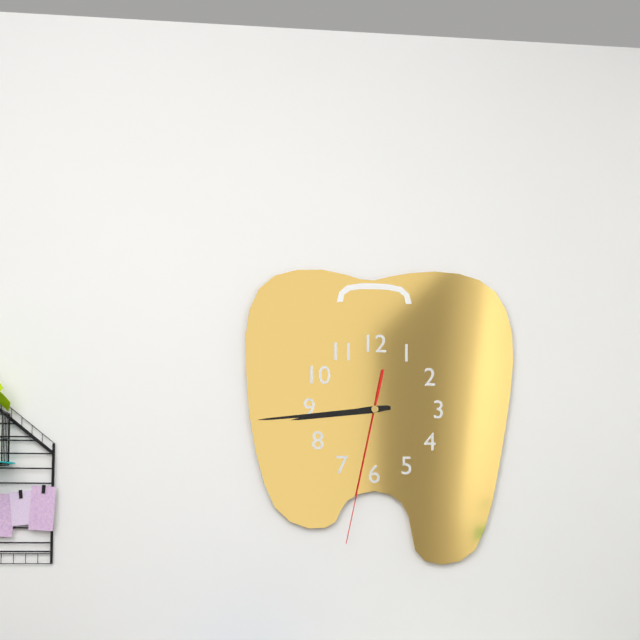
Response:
{"hour": 8, "minute": 44, "second": 32}
